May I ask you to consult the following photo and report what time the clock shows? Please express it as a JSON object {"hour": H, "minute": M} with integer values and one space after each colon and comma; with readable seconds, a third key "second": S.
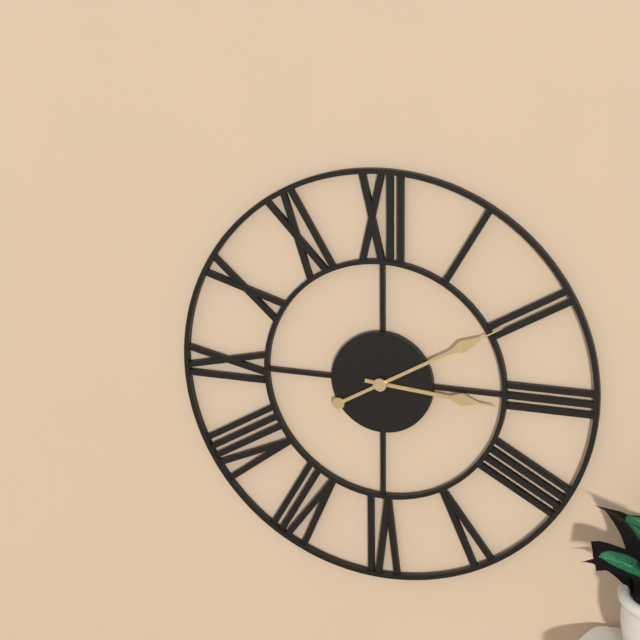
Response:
{"hour": 3, "minute": 10}
